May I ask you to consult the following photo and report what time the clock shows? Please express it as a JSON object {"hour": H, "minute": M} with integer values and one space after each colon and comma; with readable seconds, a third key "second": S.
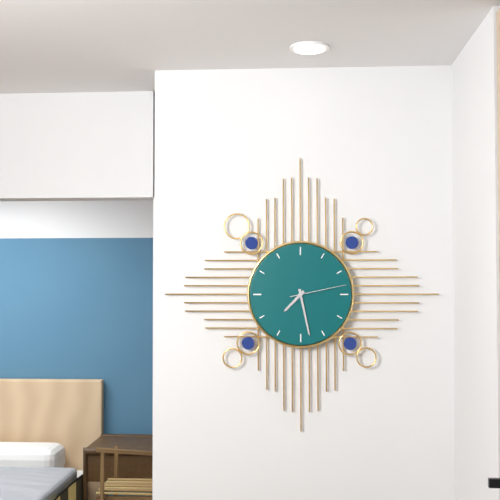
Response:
{"hour": 7, "minute": 28, "second": 13}
